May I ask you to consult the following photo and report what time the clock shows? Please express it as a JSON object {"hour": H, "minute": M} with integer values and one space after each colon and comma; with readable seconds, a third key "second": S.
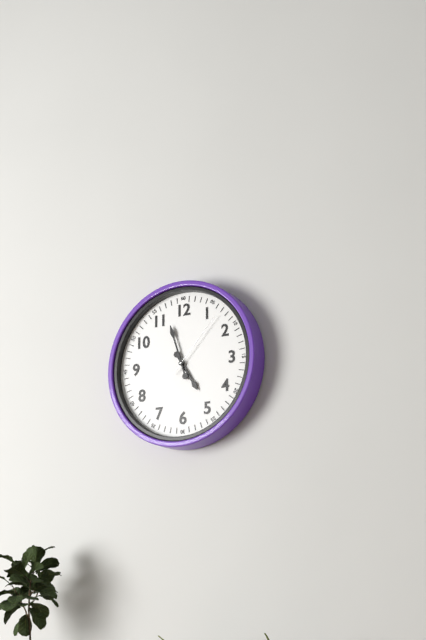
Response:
{"hour": 4, "minute": 57, "second": 7}
